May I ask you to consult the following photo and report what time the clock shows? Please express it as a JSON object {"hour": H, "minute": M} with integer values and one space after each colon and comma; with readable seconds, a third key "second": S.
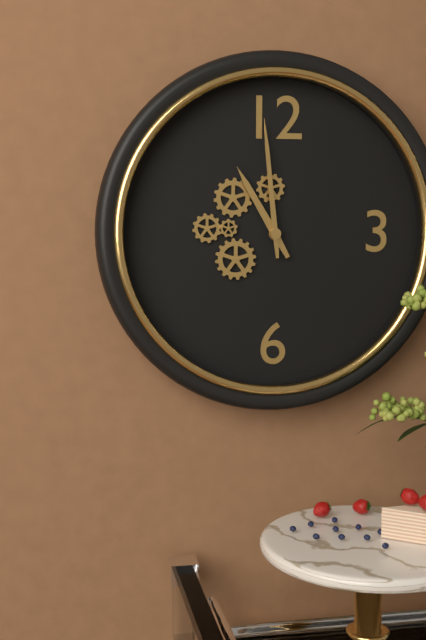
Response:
{"hour": 10, "minute": 59}
